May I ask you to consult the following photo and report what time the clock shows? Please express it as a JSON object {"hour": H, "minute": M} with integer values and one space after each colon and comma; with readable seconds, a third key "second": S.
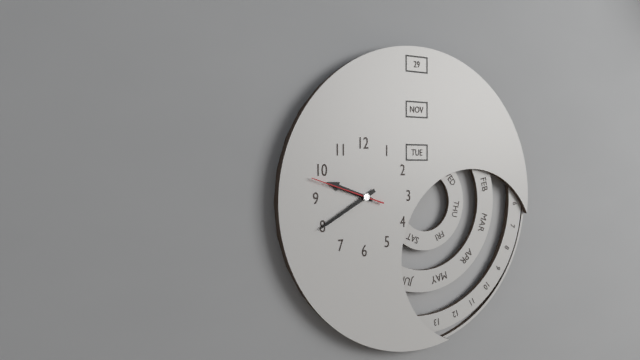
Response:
{"hour": 9, "minute": 40, "second": 48}
